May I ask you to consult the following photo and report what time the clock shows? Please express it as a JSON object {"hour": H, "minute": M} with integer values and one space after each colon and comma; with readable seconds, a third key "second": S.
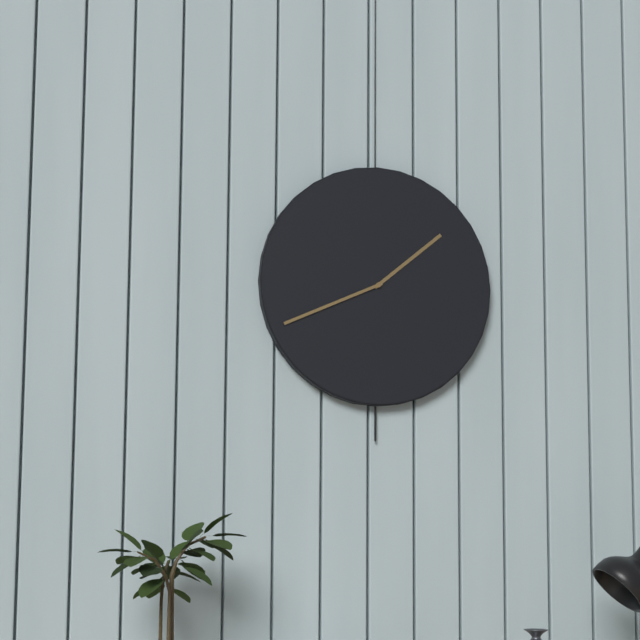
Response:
{"hour": 1, "minute": 41}
